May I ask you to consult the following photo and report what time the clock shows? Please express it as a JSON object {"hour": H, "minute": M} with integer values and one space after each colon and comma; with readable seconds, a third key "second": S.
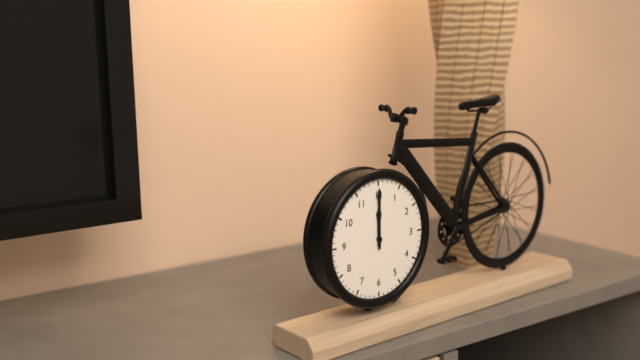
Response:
{"hour": 12, "minute": 0}
